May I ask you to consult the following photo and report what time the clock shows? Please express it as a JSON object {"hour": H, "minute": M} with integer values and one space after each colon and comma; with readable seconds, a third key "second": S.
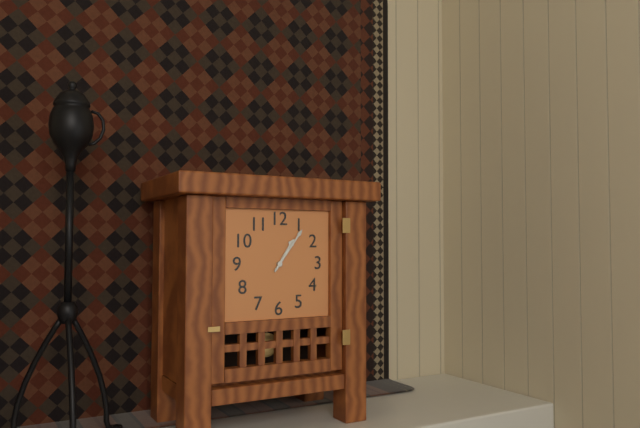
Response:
{"hour": 1, "minute": 6}
